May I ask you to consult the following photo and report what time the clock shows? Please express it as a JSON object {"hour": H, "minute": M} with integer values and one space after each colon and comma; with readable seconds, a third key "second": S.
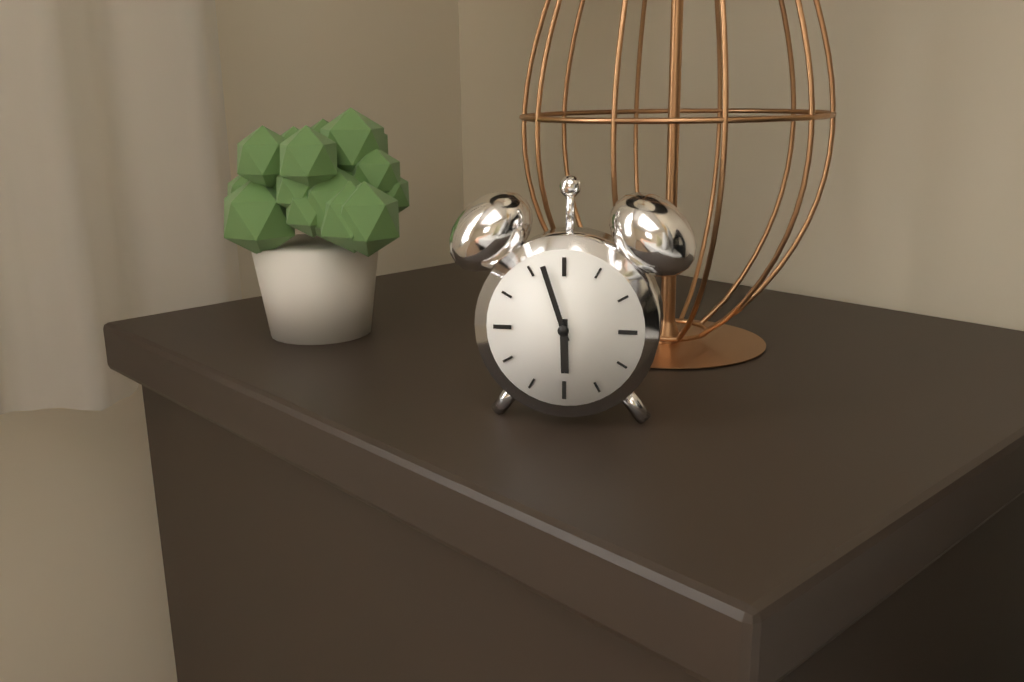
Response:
{"hour": 5, "minute": 57}
